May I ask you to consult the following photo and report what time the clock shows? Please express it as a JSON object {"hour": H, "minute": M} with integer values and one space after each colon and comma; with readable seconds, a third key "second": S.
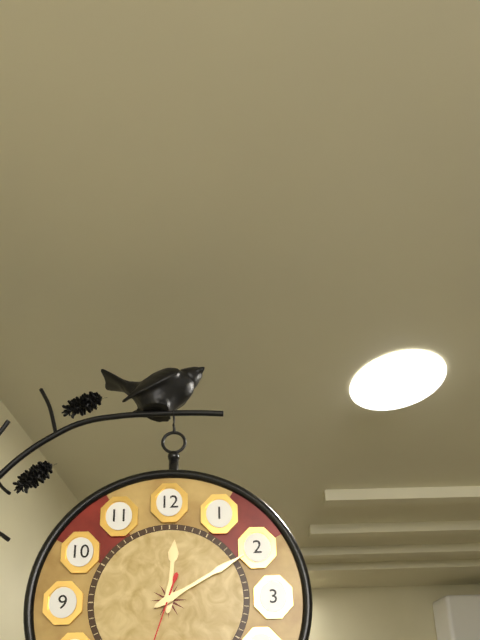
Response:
{"hour": 12, "minute": 10}
